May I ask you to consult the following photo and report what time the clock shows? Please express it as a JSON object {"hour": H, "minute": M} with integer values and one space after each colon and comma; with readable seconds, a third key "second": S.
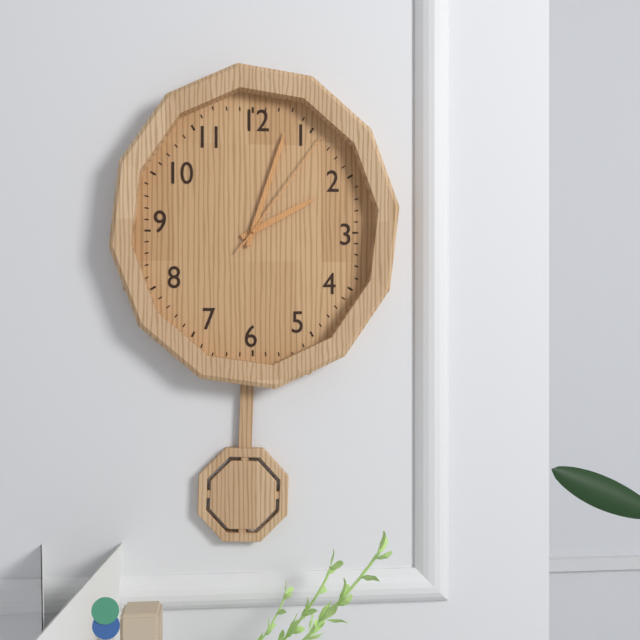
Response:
{"hour": 2, "minute": 3, "second": 6}
